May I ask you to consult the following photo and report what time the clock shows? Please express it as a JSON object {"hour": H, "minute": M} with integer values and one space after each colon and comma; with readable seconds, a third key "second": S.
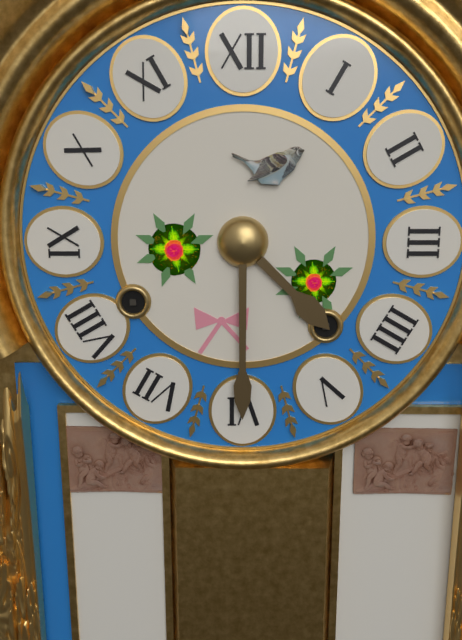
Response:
{"hour": 4, "minute": 30}
